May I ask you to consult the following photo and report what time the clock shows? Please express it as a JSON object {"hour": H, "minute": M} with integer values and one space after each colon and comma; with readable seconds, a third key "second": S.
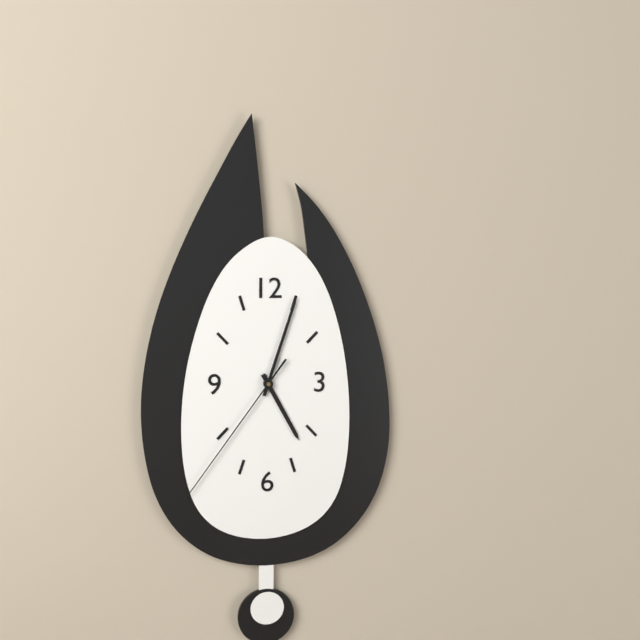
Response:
{"hour": 5, "minute": 3, "second": 36}
